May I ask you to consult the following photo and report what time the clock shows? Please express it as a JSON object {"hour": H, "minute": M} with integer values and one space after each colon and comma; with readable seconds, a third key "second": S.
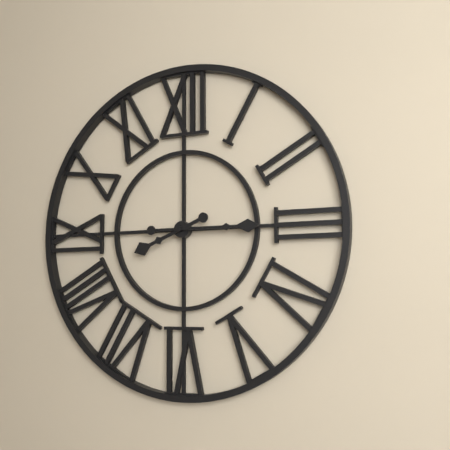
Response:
{"hour": 8, "minute": 15}
